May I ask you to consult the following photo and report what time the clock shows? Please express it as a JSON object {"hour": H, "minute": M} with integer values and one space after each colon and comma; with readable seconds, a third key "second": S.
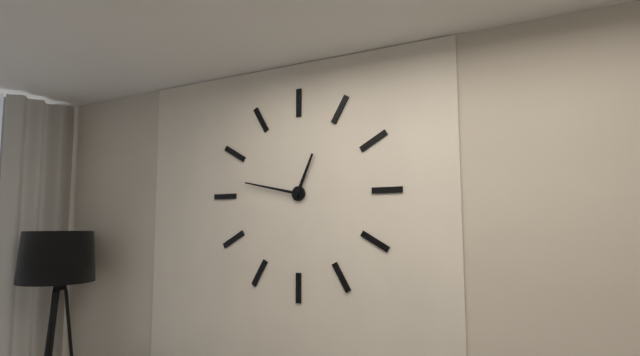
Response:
{"hour": 12, "minute": 47}
